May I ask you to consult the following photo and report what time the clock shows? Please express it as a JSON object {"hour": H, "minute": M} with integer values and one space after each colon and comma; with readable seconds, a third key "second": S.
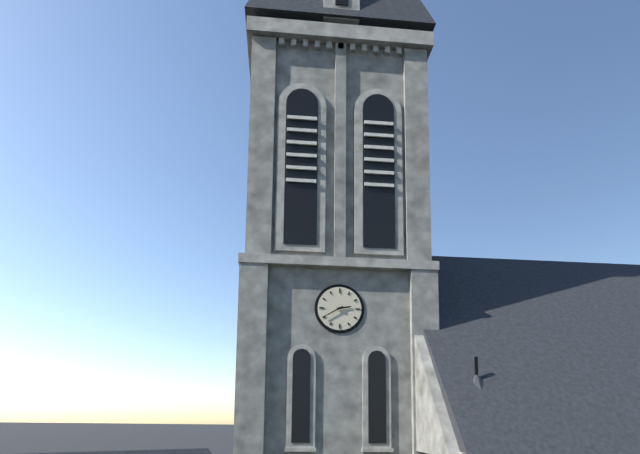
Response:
{"hour": 2, "minute": 40}
